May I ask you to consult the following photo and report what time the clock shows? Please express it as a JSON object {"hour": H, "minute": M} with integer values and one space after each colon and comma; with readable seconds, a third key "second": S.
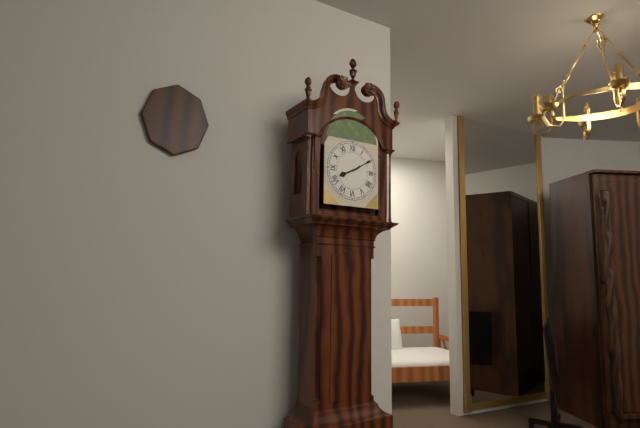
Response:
{"hour": 8, "minute": 10}
